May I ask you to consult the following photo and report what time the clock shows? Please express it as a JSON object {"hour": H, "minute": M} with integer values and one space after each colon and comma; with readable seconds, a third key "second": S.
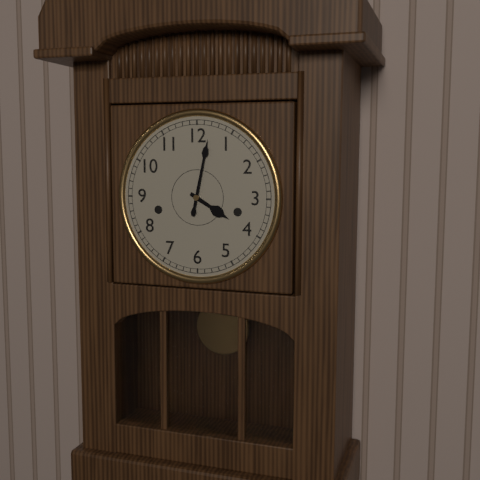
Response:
{"hour": 4, "minute": 2}
